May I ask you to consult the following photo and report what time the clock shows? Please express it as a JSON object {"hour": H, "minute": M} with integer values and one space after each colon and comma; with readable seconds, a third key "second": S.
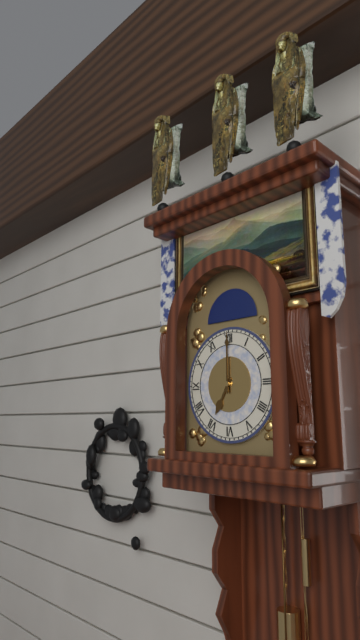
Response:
{"hour": 7, "minute": 0}
